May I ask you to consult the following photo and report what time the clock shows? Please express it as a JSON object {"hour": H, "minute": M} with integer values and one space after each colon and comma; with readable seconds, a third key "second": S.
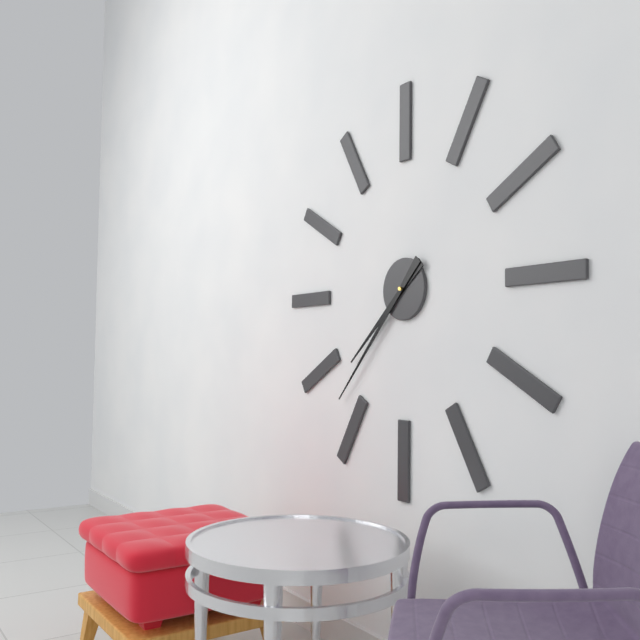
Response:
{"hour": 7, "minute": 37}
